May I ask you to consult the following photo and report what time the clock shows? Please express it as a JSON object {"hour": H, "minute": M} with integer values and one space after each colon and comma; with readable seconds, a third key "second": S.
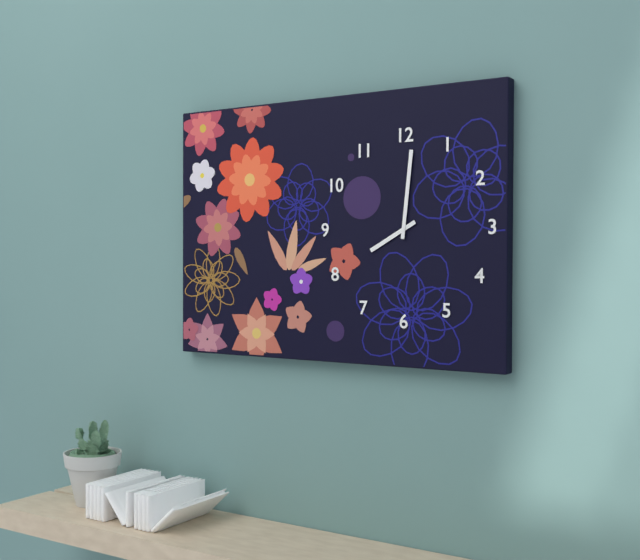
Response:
{"hour": 8, "minute": 1}
